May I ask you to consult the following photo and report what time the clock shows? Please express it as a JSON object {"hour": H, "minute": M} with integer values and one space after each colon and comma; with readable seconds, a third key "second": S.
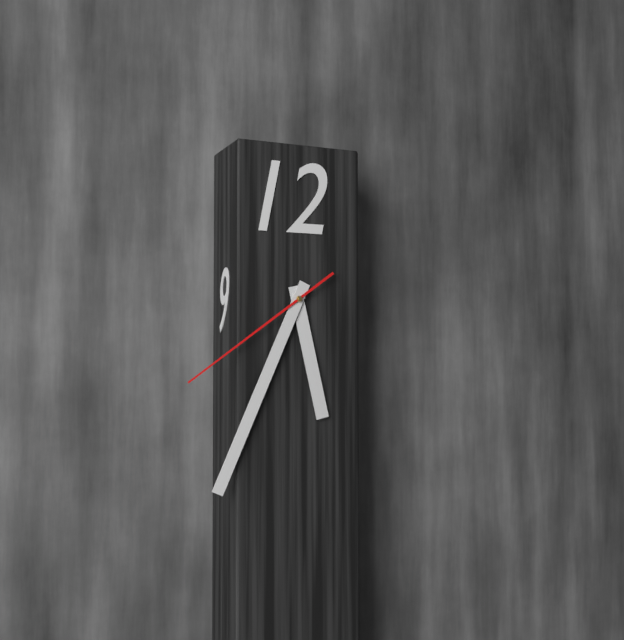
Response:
{"hour": 5, "minute": 34, "second": 39}
